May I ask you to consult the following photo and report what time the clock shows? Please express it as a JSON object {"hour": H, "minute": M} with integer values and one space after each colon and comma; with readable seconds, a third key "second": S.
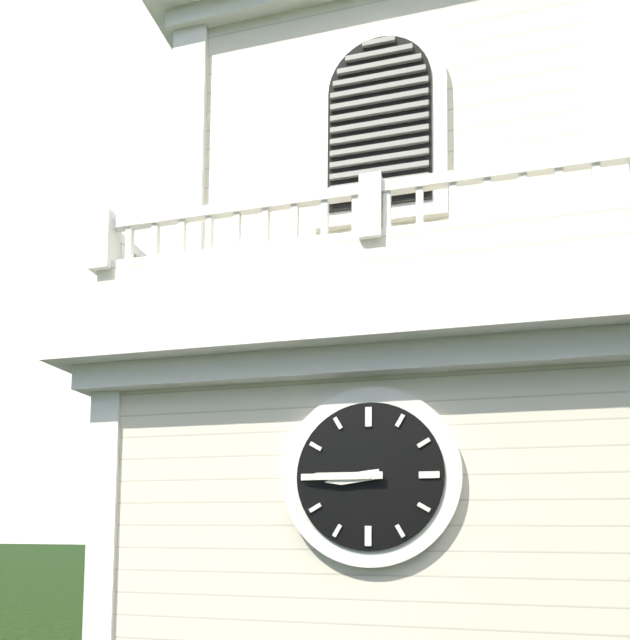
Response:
{"hour": 8, "minute": 45}
